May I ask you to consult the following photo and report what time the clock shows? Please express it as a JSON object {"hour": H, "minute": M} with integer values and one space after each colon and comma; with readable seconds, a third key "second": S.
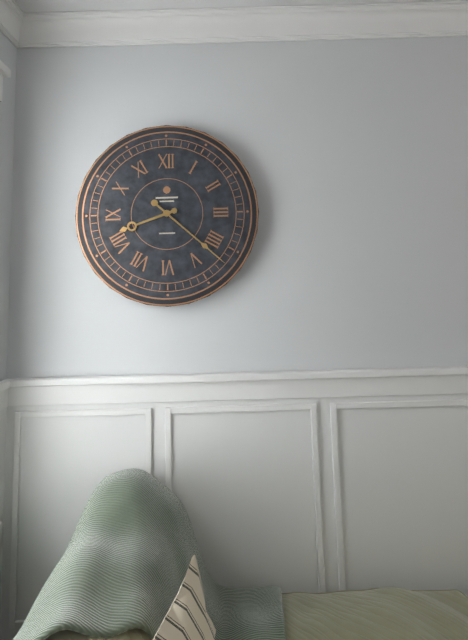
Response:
{"hour": 8, "minute": 22}
